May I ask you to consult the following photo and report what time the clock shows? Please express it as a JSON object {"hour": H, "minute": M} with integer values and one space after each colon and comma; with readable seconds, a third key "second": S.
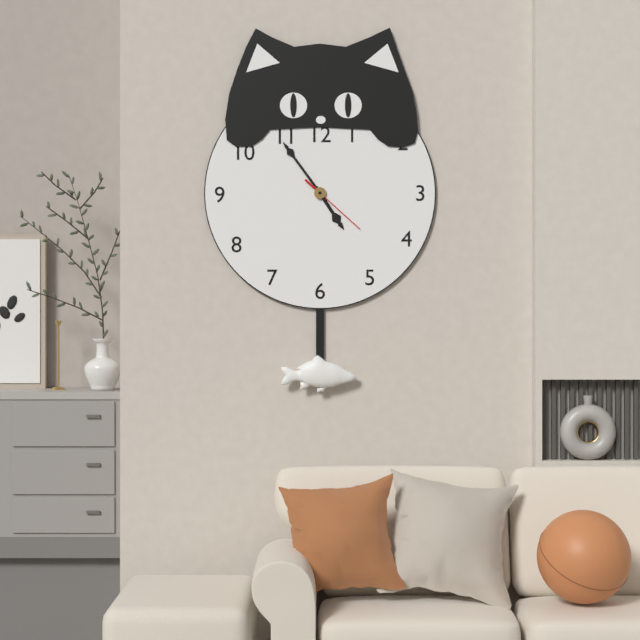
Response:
{"hour": 4, "minute": 54, "second": 22}
